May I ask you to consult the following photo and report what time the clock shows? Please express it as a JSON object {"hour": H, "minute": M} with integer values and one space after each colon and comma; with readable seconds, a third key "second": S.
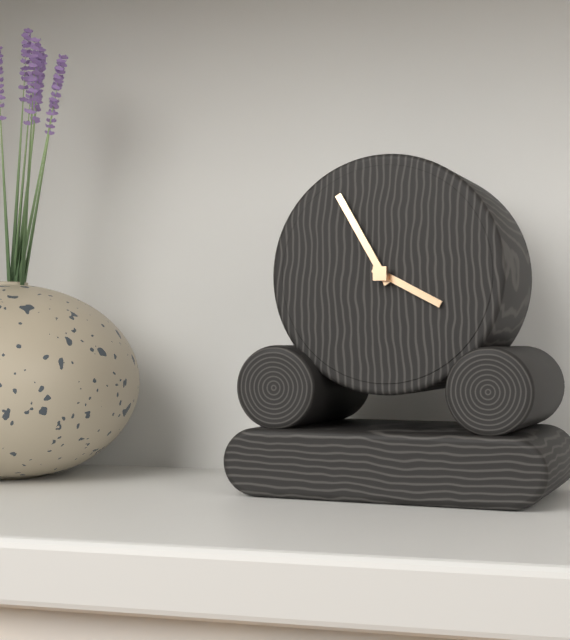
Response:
{"hour": 3, "minute": 55}
